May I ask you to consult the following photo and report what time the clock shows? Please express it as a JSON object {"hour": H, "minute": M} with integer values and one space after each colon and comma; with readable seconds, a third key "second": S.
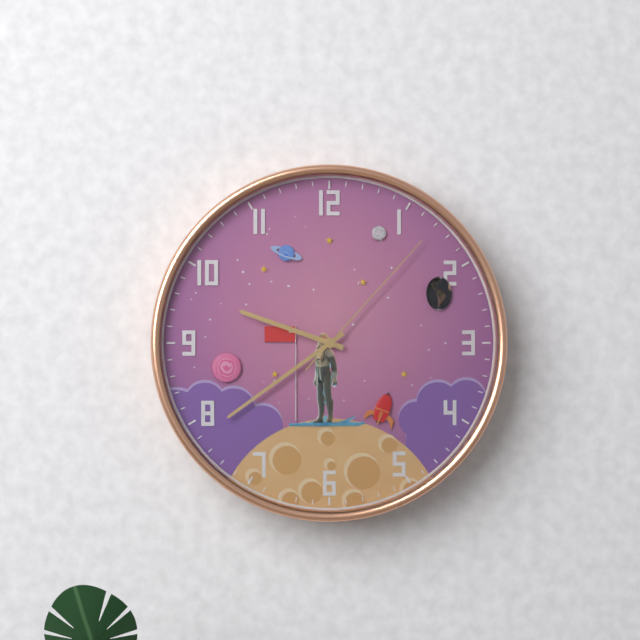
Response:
{"hour": 9, "minute": 39, "second": 7}
